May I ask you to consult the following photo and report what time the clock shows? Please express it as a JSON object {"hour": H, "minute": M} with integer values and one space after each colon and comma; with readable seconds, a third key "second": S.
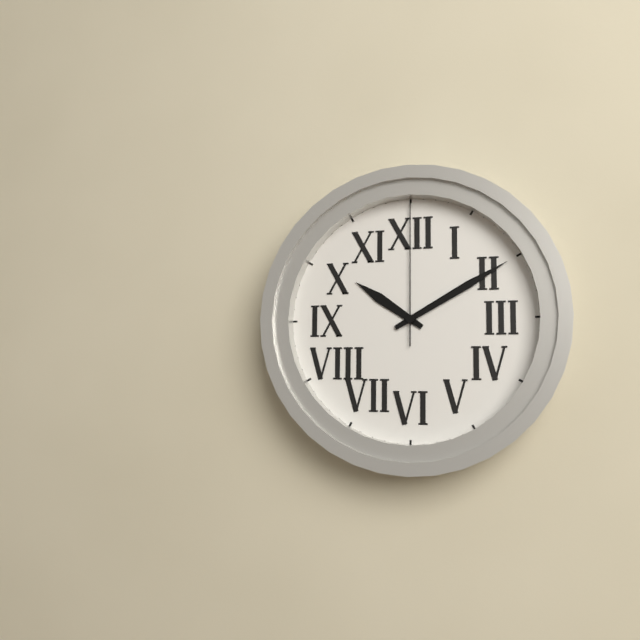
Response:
{"hour": 10, "minute": 10, "second": 0}
